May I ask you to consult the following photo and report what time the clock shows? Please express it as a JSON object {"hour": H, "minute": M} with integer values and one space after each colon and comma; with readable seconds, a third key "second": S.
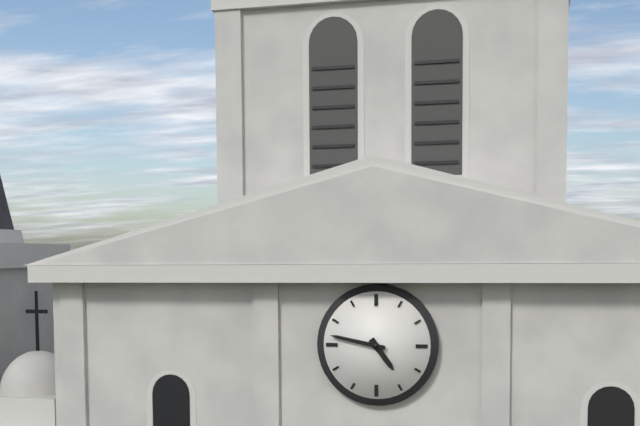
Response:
{"hour": 4, "minute": 47}
